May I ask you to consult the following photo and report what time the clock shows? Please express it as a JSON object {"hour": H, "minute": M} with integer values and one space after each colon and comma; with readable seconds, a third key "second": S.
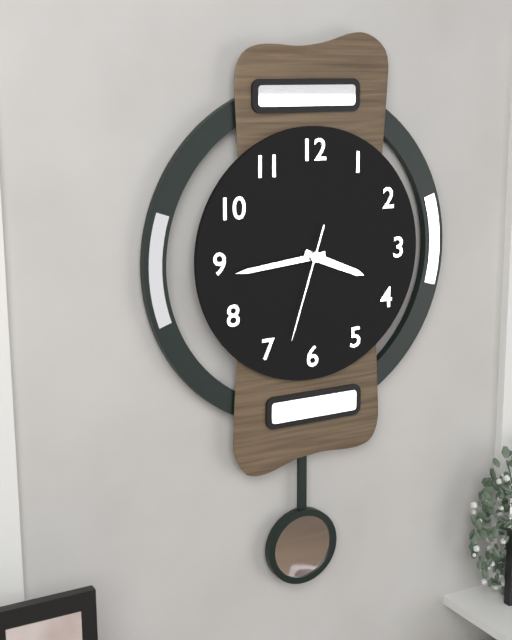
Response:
{"hour": 3, "minute": 44, "second": 33}
